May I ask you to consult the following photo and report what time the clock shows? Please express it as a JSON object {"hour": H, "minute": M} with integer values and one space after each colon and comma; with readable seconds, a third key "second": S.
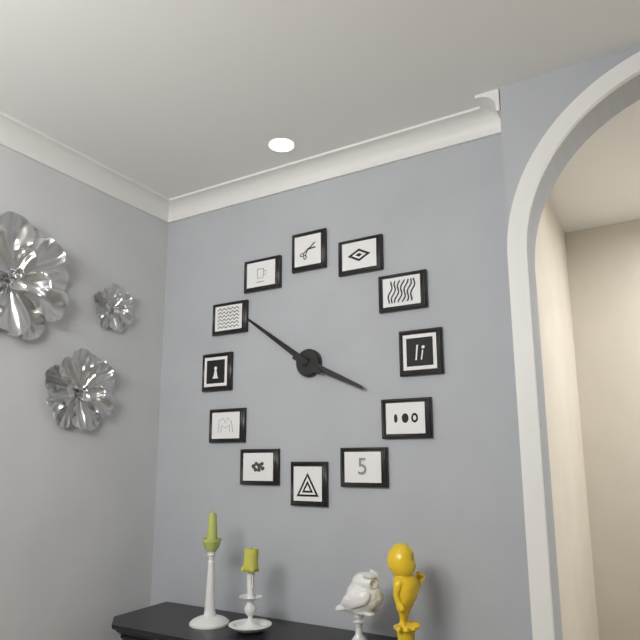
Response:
{"hour": 3, "minute": 51}
